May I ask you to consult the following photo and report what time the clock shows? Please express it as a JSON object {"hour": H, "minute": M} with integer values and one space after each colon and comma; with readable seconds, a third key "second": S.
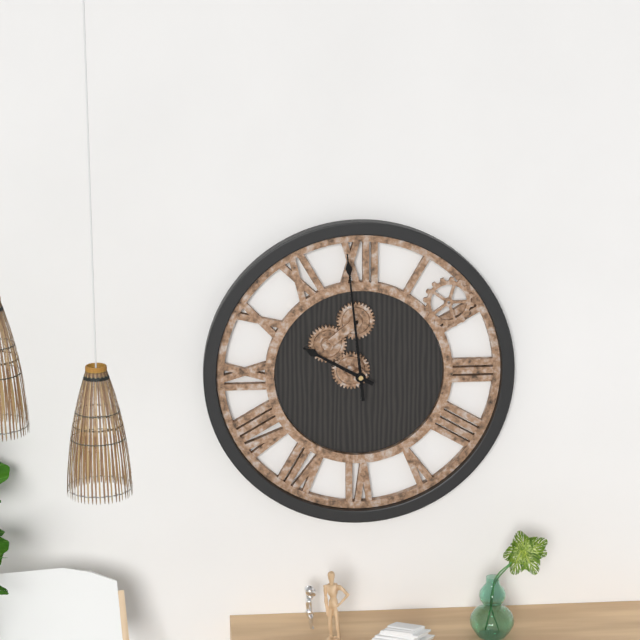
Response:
{"hour": 9, "minute": 59}
